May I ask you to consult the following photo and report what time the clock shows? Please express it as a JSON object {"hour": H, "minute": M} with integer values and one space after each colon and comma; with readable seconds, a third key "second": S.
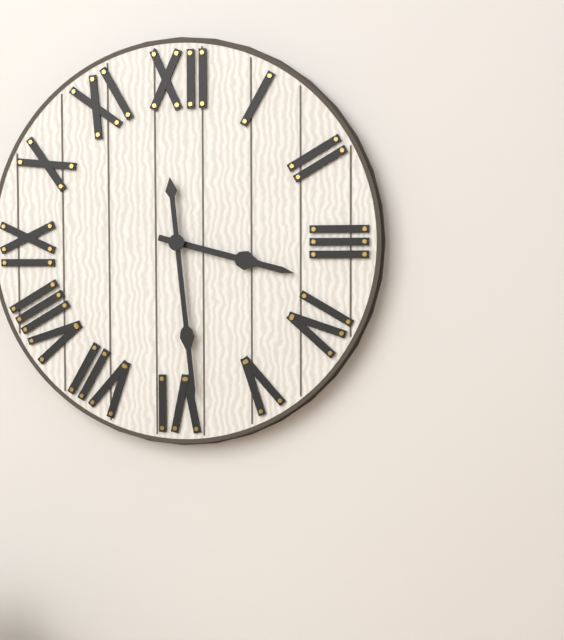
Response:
{"hour": 3, "minute": 29}
